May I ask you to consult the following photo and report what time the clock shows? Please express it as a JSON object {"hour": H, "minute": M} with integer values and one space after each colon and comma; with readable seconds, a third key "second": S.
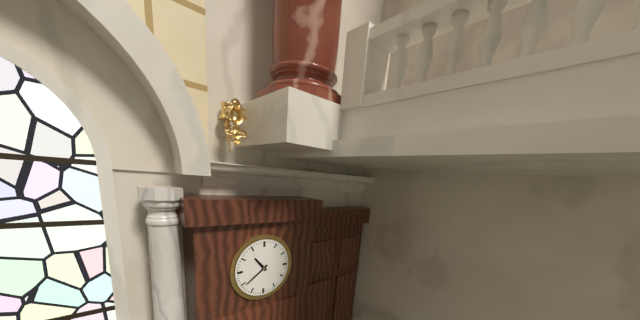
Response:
{"hour": 10, "minute": 39}
